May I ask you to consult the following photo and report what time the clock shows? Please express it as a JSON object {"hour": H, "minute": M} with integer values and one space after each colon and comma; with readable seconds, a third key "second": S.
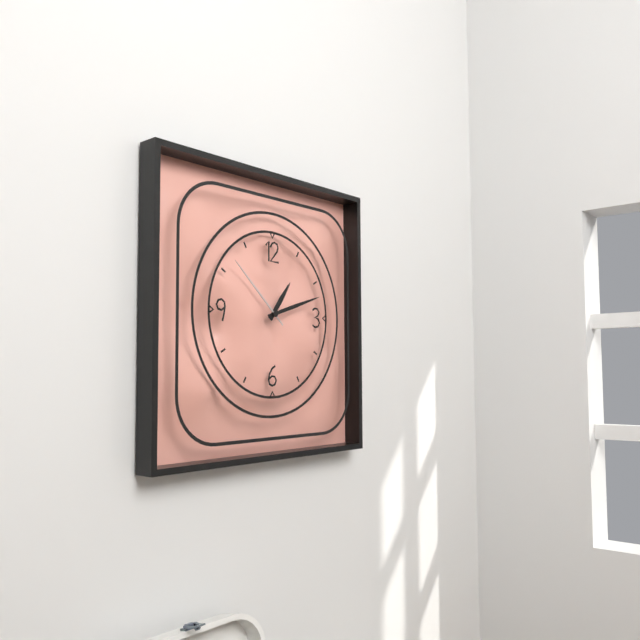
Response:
{"hour": 1, "minute": 12, "second": 52}
